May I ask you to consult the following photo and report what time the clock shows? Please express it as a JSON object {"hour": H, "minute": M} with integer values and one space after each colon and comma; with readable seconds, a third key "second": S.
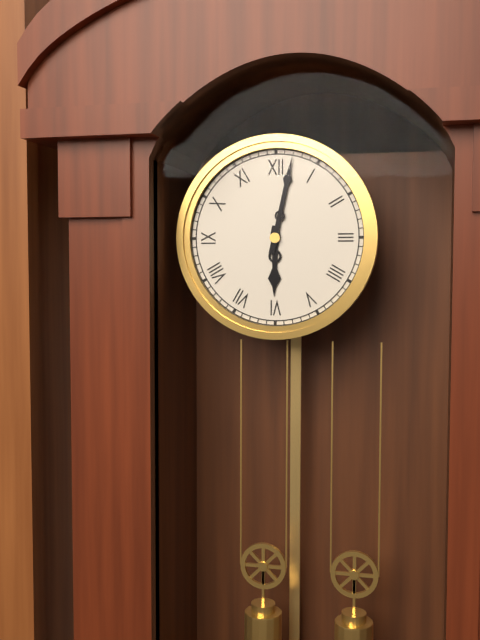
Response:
{"hour": 6, "minute": 2}
